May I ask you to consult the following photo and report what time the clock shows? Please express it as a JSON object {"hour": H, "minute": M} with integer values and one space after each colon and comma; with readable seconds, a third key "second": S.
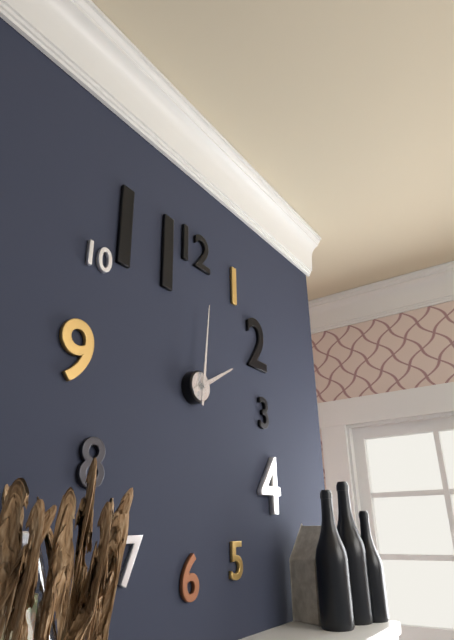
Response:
{"hour": 2, "minute": 1}
